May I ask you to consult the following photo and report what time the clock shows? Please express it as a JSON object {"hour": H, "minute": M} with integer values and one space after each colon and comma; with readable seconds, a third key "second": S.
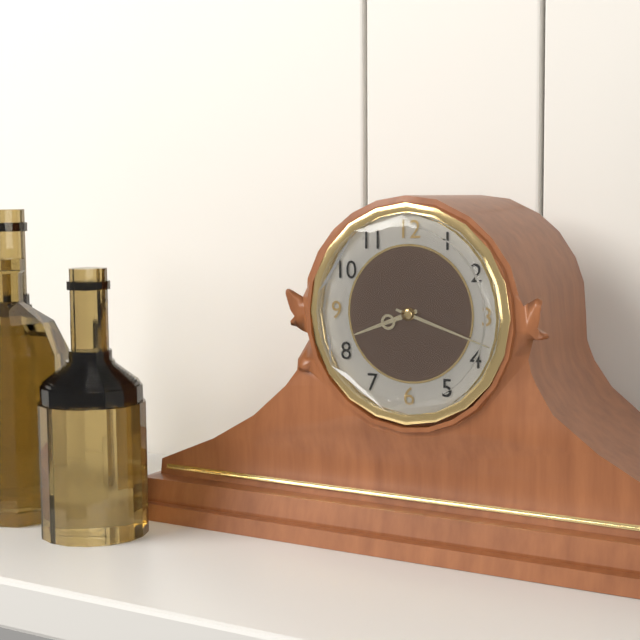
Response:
{"hour": 8, "minute": 18}
